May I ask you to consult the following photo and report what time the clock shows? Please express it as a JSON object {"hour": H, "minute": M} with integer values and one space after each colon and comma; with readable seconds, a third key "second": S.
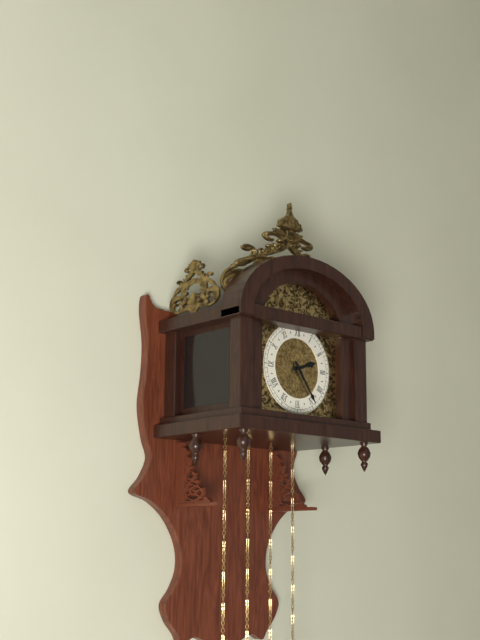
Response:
{"hour": 2, "minute": 24}
